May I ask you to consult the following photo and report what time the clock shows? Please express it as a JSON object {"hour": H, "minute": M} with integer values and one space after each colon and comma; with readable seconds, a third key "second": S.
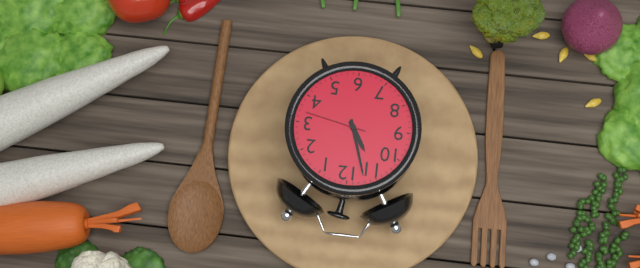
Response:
{"hour": 10, "minute": 57, "second": 17}
